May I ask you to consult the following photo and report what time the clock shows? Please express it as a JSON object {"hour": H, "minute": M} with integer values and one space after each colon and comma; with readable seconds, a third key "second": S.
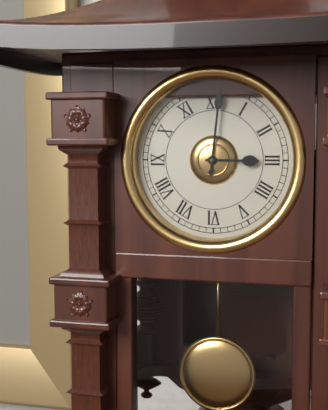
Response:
{"hour": 3, "minute": 1}
